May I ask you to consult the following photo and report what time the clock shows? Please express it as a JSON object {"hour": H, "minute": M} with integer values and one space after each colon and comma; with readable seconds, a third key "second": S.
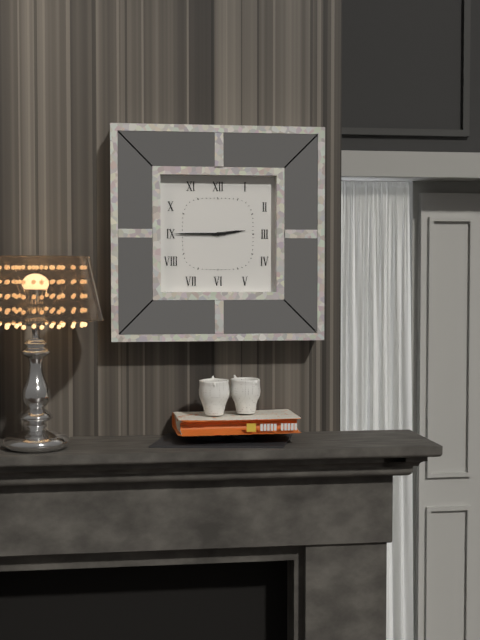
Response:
{"hour": 2, "minute": 45}
